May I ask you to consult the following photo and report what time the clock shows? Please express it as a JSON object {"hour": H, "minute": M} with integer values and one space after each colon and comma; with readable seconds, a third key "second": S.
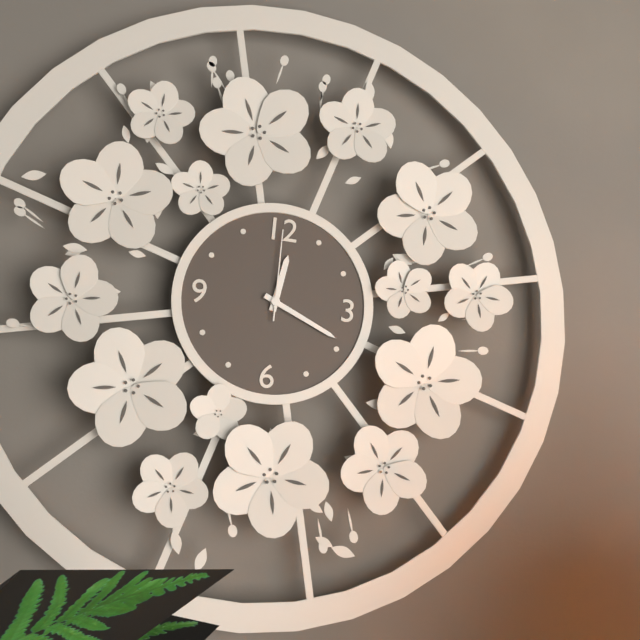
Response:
{"hour": 12, "minute": 19, "second": 0}
